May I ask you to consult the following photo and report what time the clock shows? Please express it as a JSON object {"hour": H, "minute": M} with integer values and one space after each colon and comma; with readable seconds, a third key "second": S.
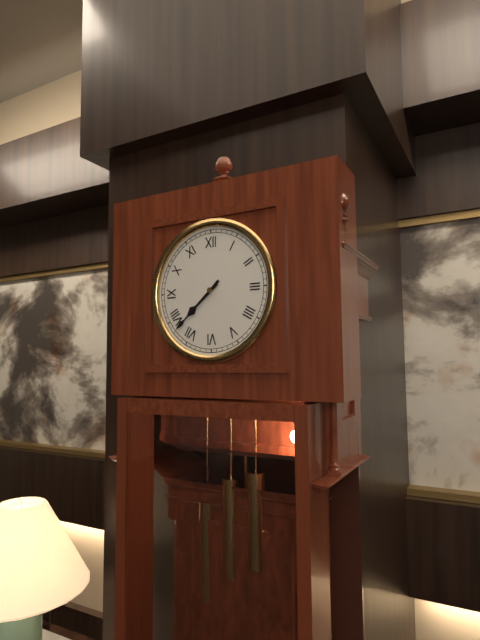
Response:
{"hour": 7, "minute": 38}
